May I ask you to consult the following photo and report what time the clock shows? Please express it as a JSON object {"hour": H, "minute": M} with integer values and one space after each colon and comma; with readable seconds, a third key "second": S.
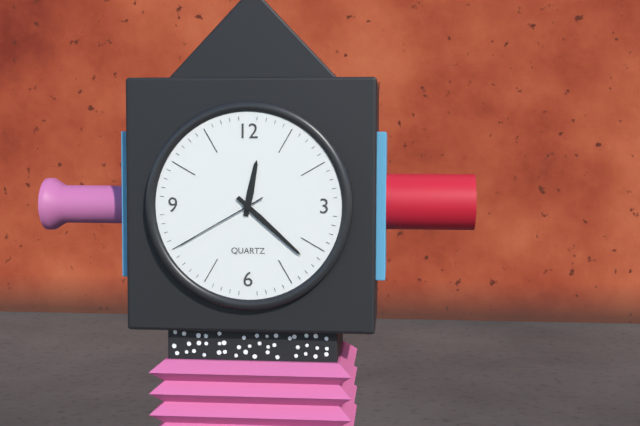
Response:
{"hour": 12, "minute": 22, "second": 40}
